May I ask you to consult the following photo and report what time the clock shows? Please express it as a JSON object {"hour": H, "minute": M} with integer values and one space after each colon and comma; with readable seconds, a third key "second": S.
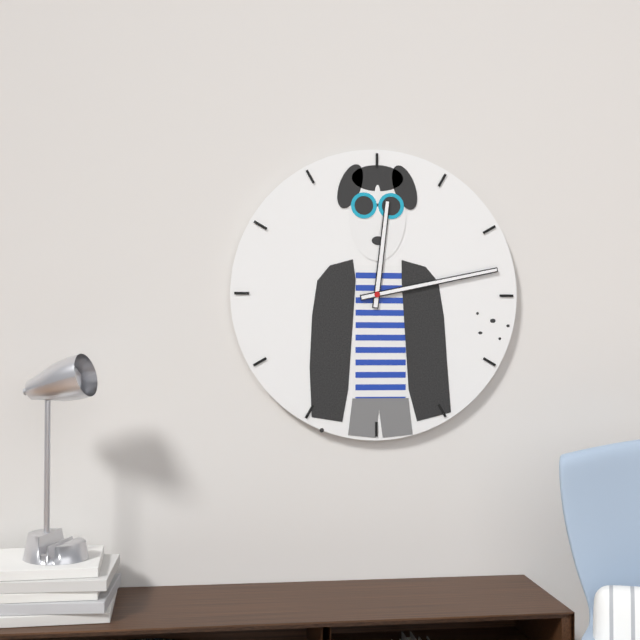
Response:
{"hour": 12, "minute": 13}
